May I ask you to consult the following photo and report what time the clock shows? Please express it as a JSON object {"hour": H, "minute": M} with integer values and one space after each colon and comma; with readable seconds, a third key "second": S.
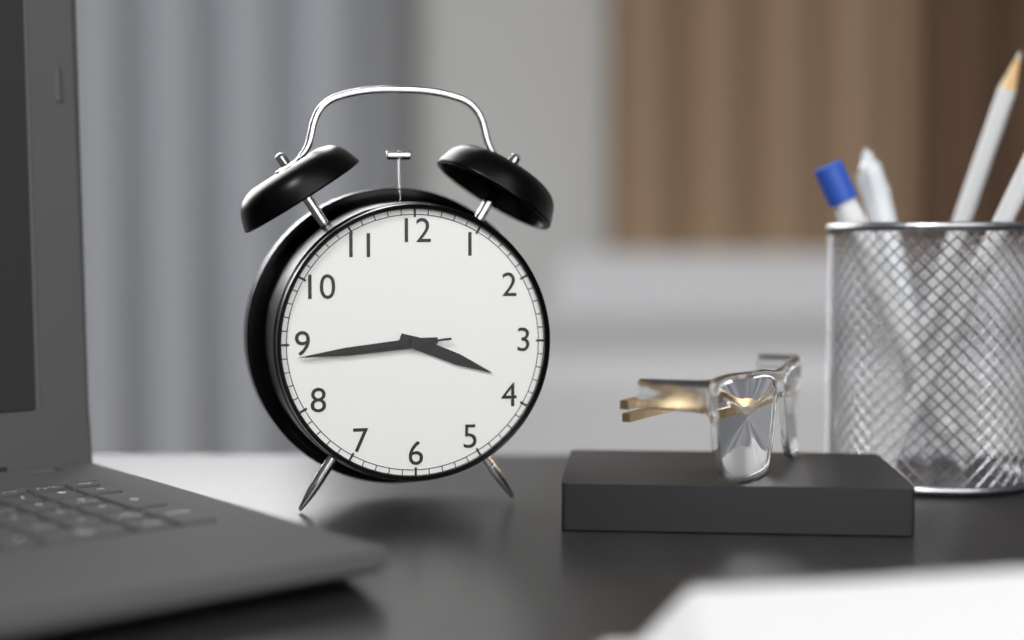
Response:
{"hour": 3, "minute": 44, "second": 44}
